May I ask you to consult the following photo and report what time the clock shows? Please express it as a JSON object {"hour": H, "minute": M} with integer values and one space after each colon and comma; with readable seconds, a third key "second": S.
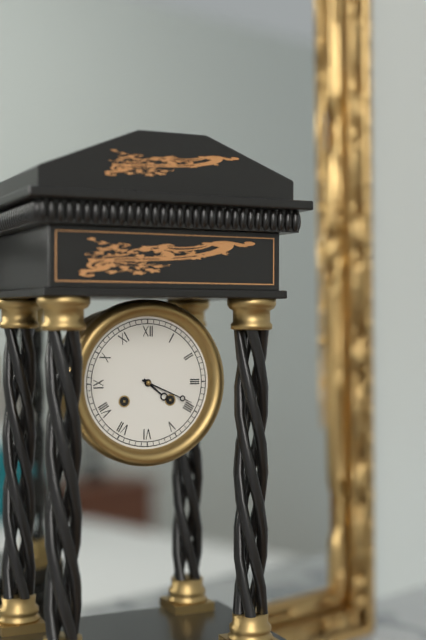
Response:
{"hour": 4, "minute": 19}
